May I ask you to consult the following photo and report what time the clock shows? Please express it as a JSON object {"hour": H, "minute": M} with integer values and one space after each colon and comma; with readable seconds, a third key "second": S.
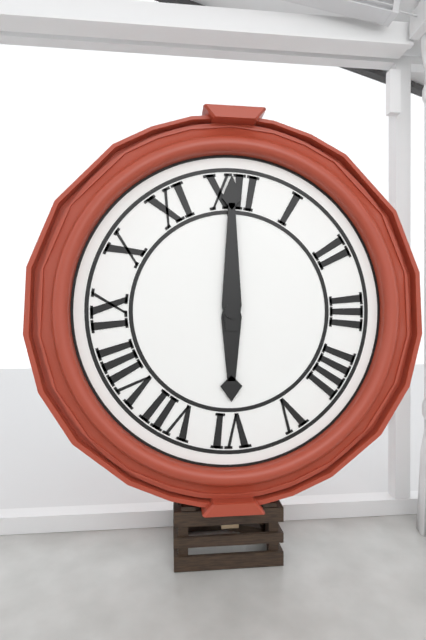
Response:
{"hour": 6, "minute": 0}
